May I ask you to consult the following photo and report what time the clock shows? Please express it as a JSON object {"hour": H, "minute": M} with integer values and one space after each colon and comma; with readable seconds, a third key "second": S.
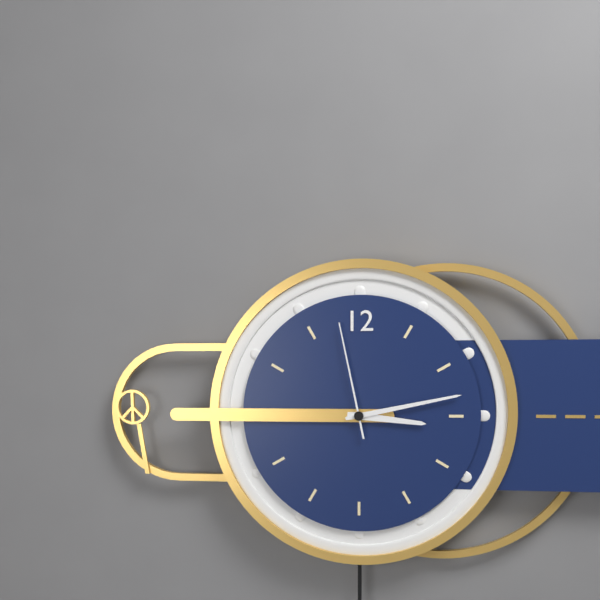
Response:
{"hour": 3, "minute": 13, "second": 58}
